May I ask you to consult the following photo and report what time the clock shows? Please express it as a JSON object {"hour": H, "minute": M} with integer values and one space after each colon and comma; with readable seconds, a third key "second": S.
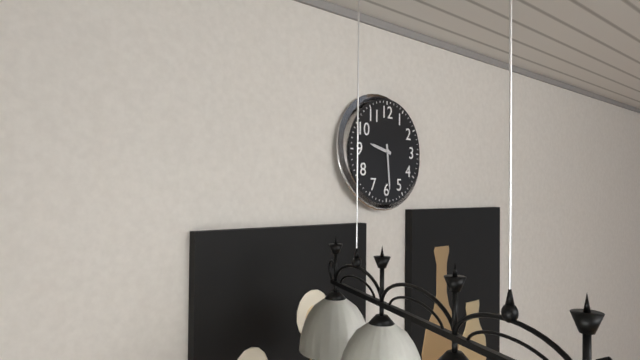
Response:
{"hour": 9, "minute": 29}
